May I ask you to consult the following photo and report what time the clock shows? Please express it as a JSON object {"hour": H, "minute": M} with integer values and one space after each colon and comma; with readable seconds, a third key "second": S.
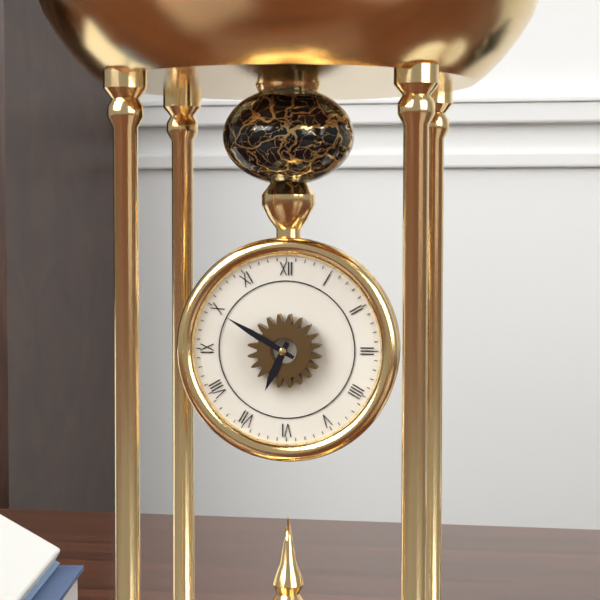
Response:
{"hour": 6, "minute": 50}
